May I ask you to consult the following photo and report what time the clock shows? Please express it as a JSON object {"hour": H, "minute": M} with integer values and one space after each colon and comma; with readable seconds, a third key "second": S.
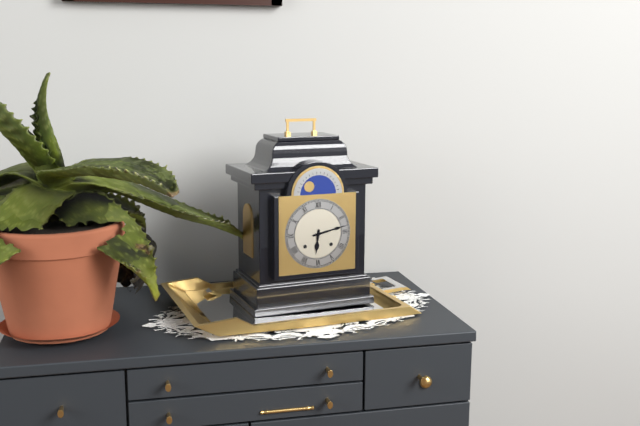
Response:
{"hour": 6, "minute": 13}
